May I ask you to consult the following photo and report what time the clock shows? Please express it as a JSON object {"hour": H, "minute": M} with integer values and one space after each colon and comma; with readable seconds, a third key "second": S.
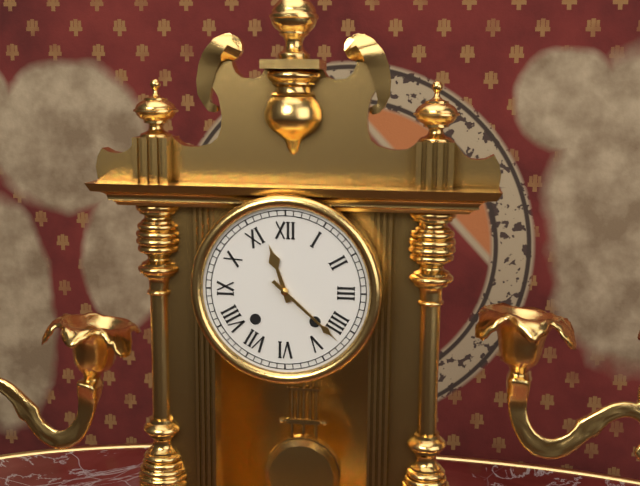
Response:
{"hour": 11, "minute": 22}
